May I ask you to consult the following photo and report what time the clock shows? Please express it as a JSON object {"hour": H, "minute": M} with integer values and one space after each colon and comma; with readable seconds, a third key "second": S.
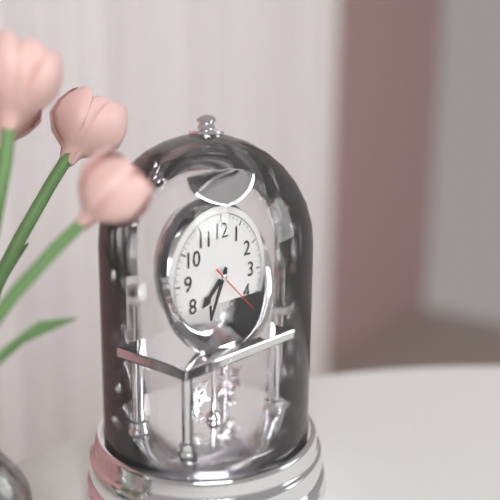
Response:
{"hour": 7, "minute": 34, "second": 22}
